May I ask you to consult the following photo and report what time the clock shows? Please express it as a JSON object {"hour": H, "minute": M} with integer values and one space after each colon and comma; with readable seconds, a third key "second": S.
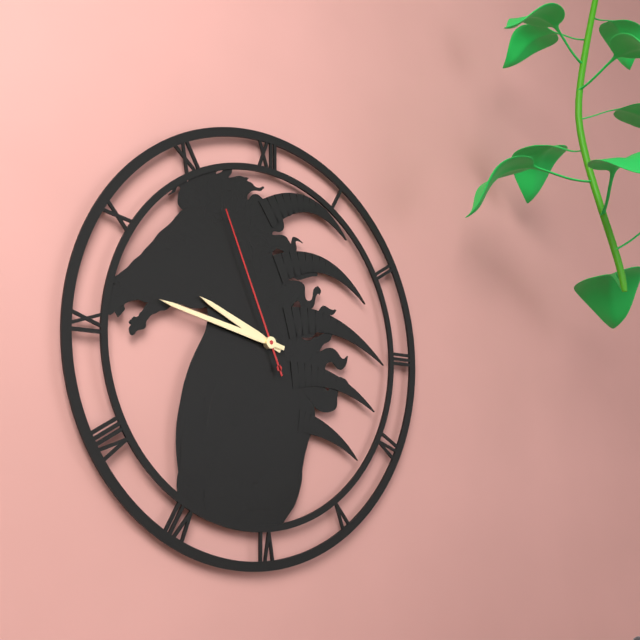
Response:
{"hour": 9, "minute": 47, "second": 56}
